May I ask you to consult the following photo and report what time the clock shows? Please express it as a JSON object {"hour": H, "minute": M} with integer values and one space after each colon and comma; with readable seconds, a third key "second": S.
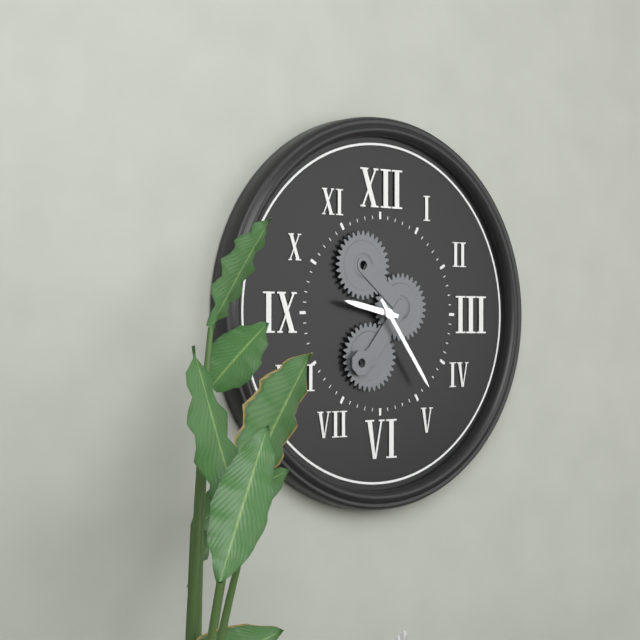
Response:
{"hour": 9, "minute": 24}
